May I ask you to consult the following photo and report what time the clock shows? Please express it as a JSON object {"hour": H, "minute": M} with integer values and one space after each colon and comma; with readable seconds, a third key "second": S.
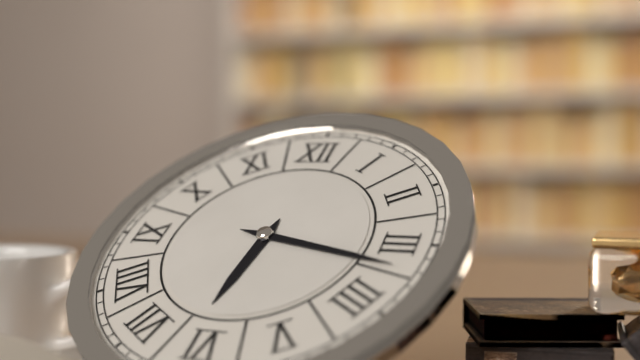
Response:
{"hour": 6, "minute": 17}
